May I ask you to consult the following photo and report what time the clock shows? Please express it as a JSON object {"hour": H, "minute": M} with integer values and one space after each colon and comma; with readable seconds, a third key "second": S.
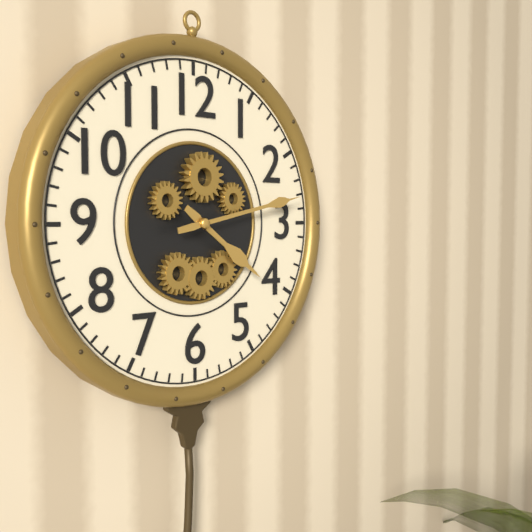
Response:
{"hour": 4, "minute": 13}
